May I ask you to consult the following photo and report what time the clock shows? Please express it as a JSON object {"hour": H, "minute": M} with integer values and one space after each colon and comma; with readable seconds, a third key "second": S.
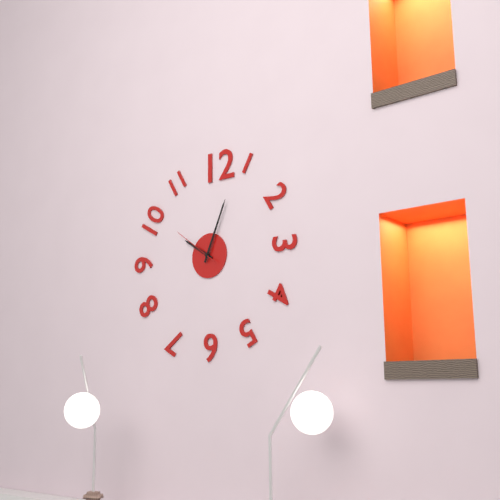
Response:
{"hour": 10, "minute": 4}
